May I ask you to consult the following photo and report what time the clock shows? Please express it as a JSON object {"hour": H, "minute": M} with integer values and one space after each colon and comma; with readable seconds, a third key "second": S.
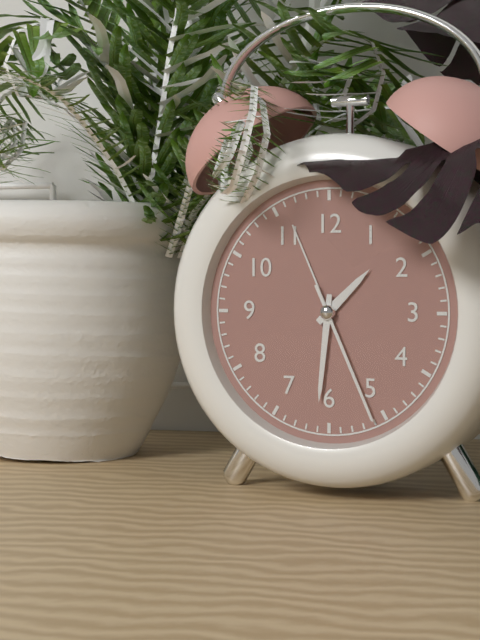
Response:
{"hour": 1, "minute": 31, "second": 26}
